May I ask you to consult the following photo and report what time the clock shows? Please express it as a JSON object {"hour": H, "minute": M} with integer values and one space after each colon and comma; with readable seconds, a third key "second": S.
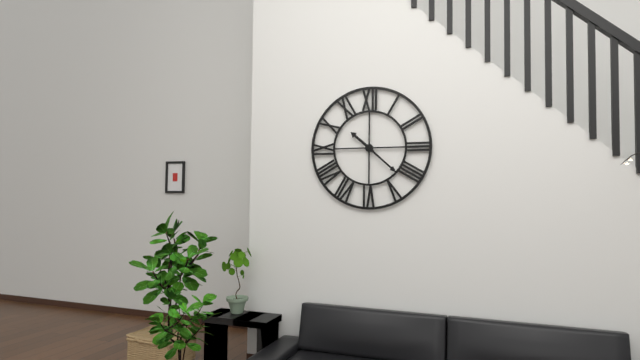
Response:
{"hour": 10, "minute": 22}
